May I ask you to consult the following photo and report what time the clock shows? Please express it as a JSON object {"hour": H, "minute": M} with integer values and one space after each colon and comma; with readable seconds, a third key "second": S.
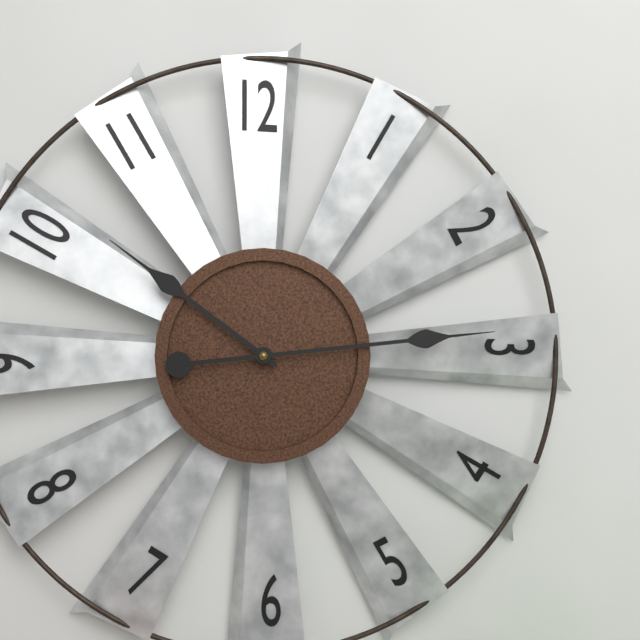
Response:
{"hour": 10, "minute": 14}
